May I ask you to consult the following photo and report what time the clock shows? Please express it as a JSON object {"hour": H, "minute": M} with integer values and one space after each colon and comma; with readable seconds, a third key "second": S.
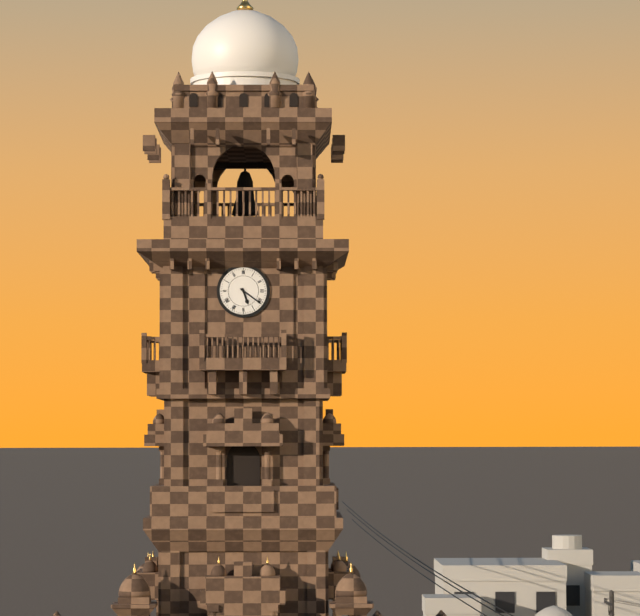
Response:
{"hour": 5, "minute": 21}
